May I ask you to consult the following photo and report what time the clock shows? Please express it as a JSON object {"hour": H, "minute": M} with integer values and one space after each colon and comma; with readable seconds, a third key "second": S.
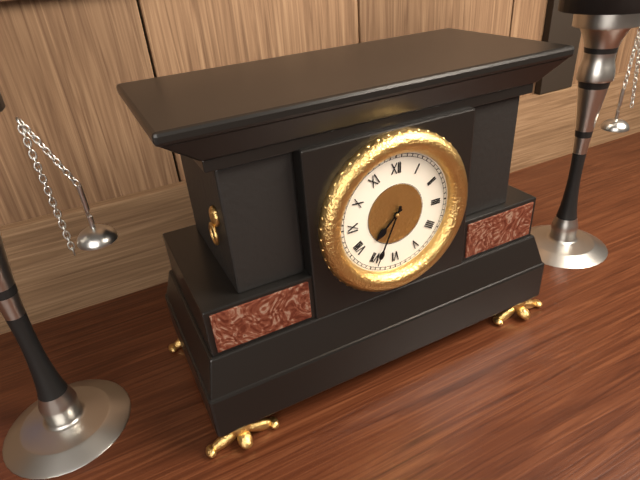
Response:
{"hour": 7, "minute": 34}
